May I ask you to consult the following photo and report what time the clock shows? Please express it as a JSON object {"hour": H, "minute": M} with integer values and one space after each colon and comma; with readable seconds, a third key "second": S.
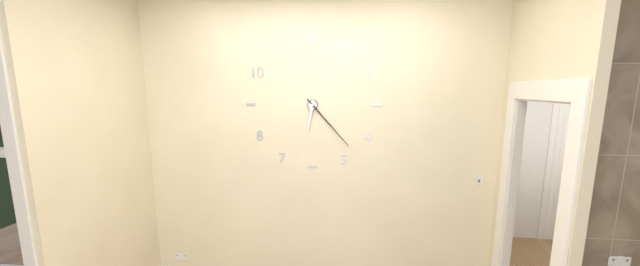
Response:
{"hour": 6, "minute": 23}
